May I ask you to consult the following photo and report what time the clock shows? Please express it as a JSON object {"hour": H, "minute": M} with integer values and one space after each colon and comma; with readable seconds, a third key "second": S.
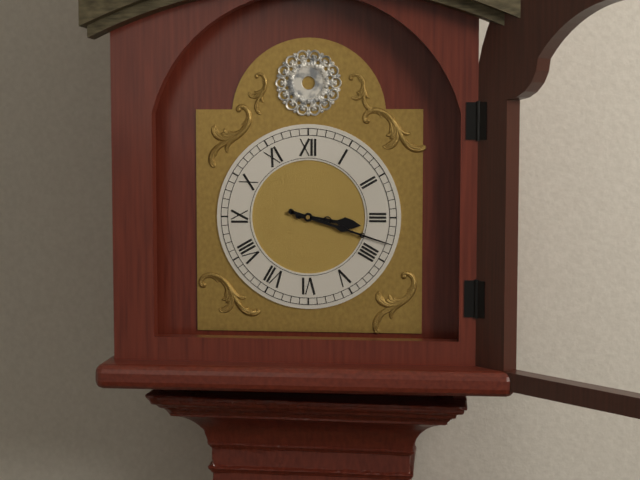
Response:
{"hour": 3, "minute": 18}
